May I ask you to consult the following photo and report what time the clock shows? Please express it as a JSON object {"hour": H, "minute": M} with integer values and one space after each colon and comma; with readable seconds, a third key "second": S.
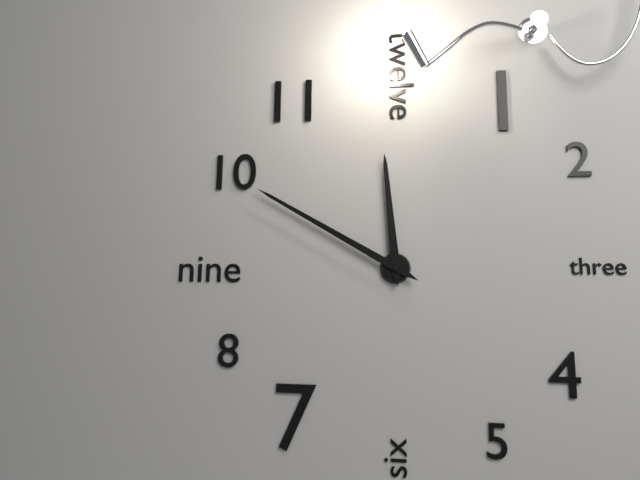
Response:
{"hour": 11, "minute": 50}
